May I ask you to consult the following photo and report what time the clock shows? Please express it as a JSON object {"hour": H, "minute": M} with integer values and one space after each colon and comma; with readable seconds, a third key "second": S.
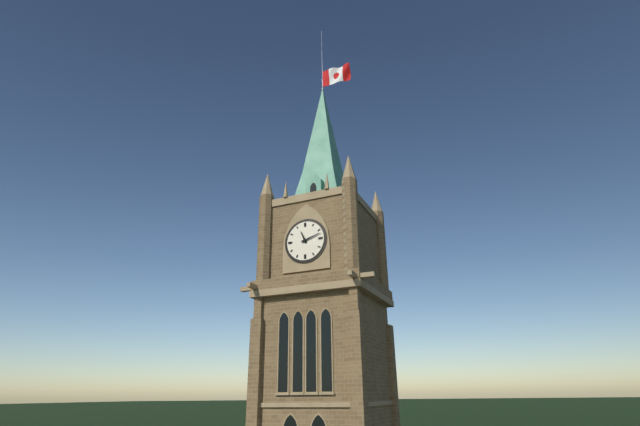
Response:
{"hour": 11, "minute": 12}
